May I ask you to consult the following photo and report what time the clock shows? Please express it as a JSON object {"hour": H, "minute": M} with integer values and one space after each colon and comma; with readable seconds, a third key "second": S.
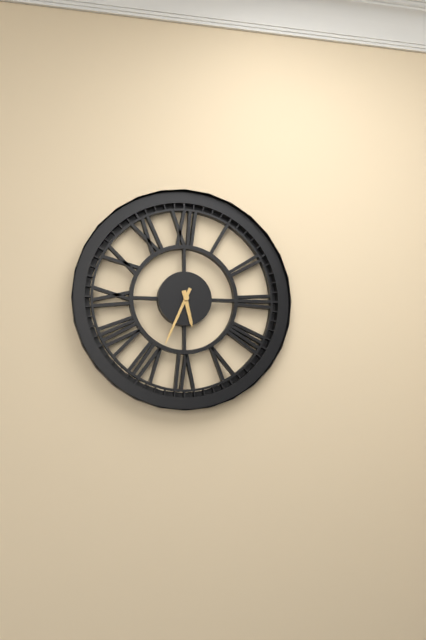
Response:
{"hour": 5, "minute": 34}
